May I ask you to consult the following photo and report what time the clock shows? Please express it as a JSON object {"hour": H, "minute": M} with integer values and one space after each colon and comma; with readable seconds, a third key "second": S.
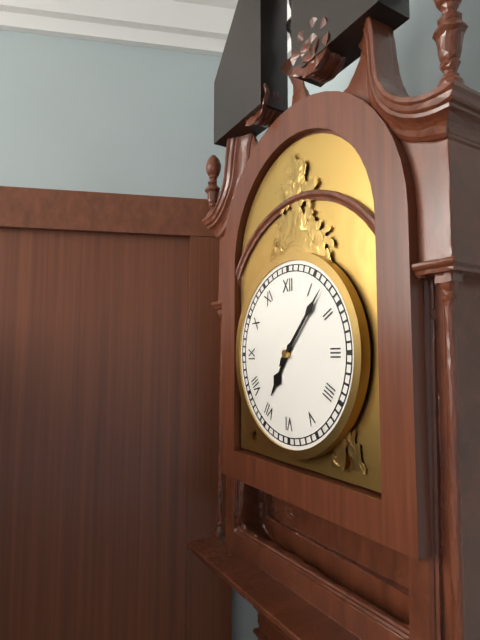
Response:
{"hour": 7, "minute": 7}
